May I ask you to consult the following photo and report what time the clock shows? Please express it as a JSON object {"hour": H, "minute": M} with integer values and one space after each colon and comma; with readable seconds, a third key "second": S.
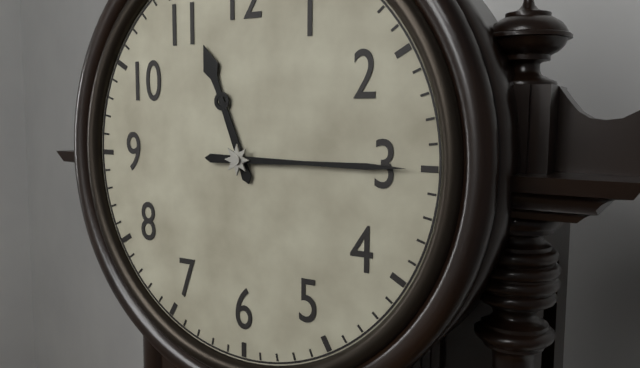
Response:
{"hour": 11, "minute": 15}
